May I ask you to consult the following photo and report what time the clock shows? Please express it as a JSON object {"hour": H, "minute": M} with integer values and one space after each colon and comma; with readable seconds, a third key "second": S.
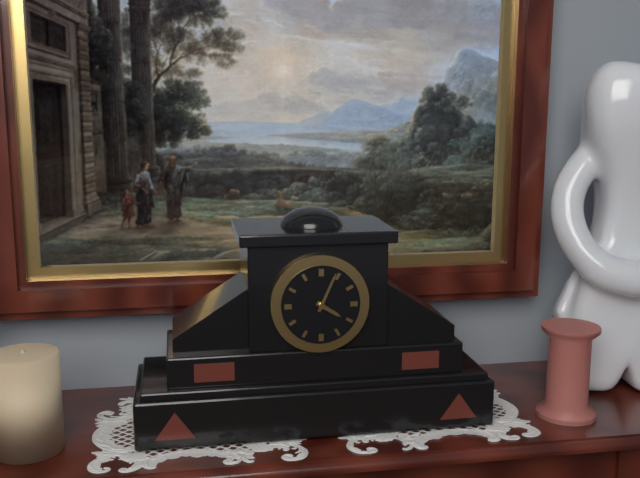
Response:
{"hour": 4, "minute": 4}
